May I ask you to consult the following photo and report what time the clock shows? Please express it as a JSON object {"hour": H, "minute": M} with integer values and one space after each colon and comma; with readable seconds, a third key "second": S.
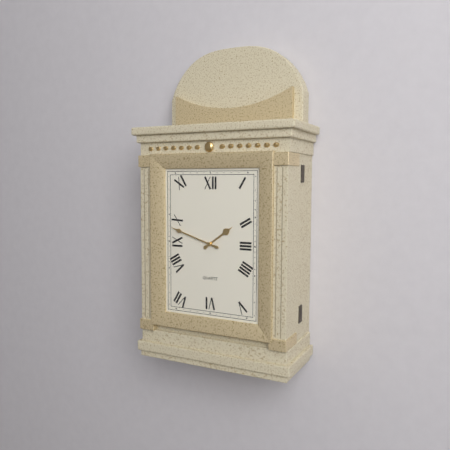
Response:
{"hour": 1, "minute": 48}
